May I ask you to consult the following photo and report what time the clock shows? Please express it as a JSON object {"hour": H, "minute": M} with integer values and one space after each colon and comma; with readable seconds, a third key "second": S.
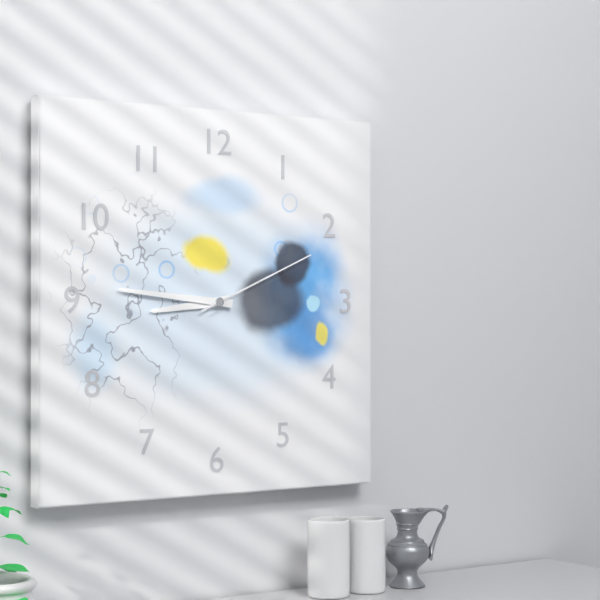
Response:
{"hour": 8, "minute": 46, "second": 11}
